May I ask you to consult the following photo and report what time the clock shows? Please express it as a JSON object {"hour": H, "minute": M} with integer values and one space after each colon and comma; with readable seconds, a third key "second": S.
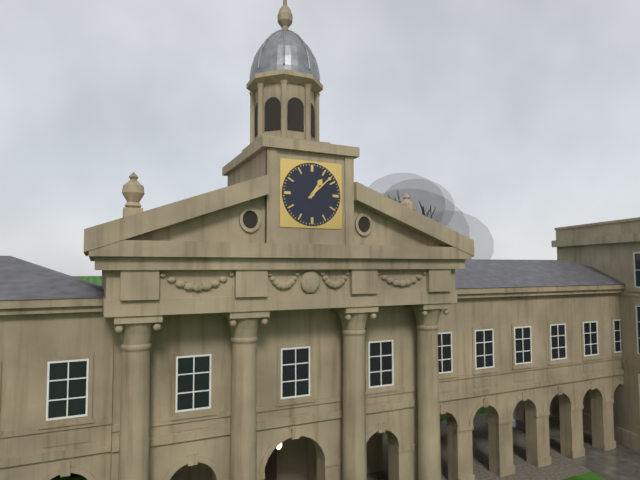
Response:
{"hour": 1, "minute": 8}
